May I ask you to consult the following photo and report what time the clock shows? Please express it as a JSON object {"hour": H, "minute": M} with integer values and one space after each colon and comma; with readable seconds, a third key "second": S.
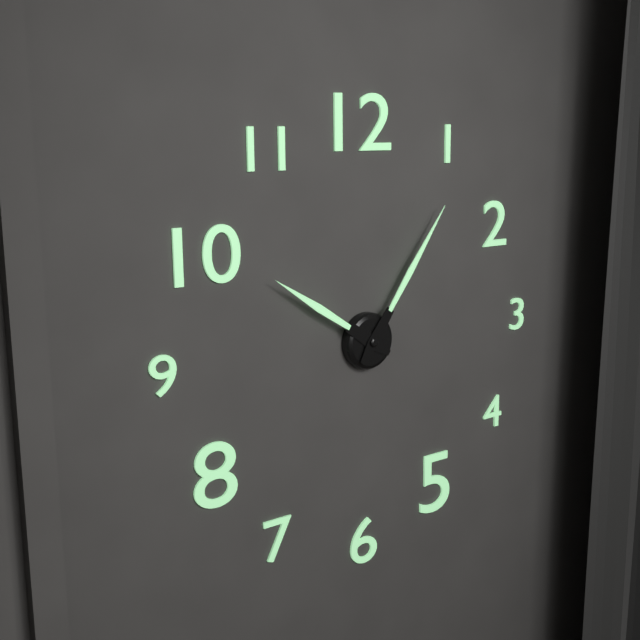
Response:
{"hour": 10, "minute": 6}
